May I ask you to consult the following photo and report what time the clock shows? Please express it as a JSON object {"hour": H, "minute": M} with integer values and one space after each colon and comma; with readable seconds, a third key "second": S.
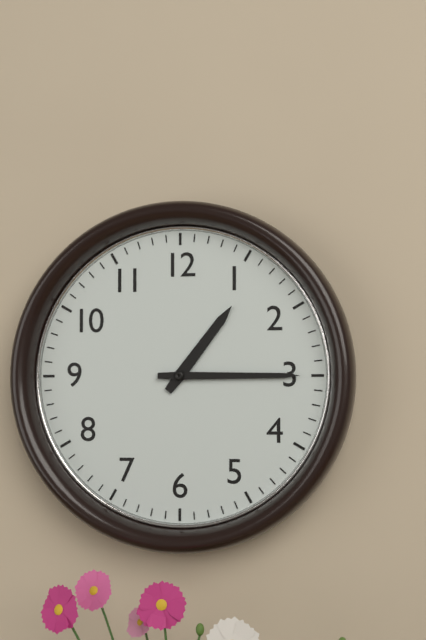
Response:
{"hour": 1, "minute": 15}
